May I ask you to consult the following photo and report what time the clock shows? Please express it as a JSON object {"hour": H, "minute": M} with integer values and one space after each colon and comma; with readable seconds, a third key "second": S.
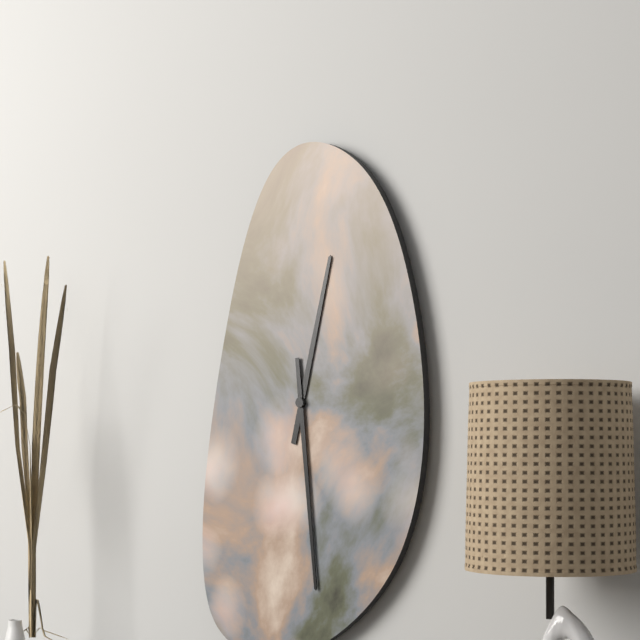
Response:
{"hour": 12, "minute": 29}
